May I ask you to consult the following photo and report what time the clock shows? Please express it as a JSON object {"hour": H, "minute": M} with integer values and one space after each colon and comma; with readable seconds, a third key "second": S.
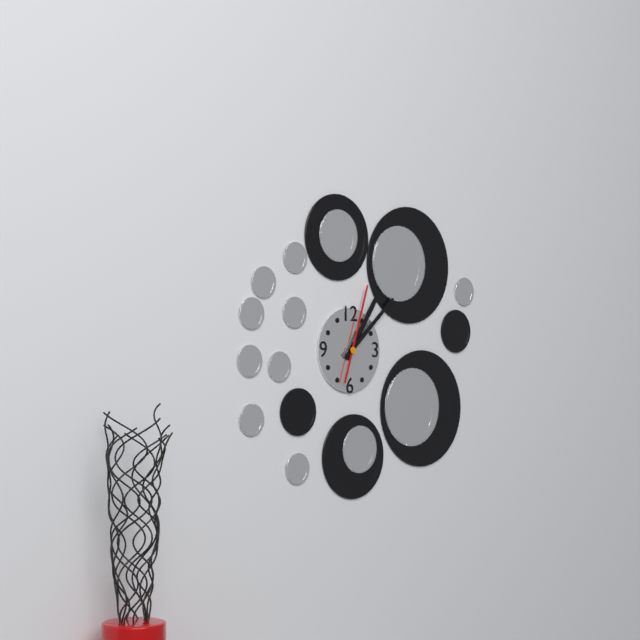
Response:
{"hour": 1, "minute": 8, "second": 3}
